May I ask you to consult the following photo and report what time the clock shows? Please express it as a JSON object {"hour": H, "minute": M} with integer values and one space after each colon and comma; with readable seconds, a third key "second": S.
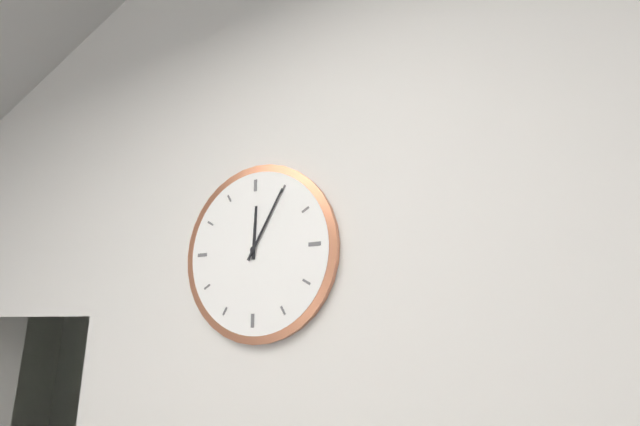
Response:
{"hour": 12, "minute": 5}
